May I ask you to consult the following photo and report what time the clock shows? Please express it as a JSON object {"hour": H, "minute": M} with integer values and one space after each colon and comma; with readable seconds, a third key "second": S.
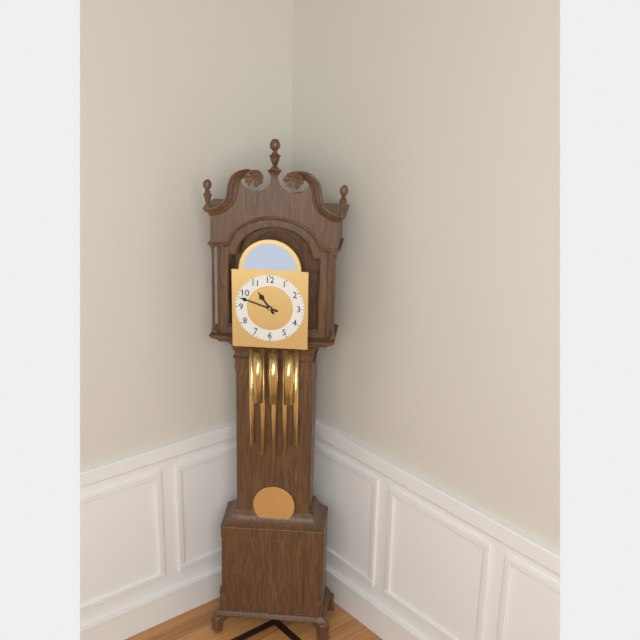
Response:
{"hour": 10, "minute": 48}
